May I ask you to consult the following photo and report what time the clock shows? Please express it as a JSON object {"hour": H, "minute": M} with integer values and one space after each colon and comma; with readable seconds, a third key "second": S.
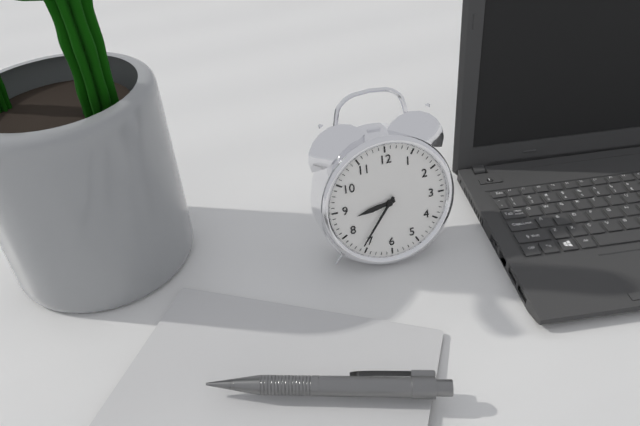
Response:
{"hour": 8, "minute": 36}
